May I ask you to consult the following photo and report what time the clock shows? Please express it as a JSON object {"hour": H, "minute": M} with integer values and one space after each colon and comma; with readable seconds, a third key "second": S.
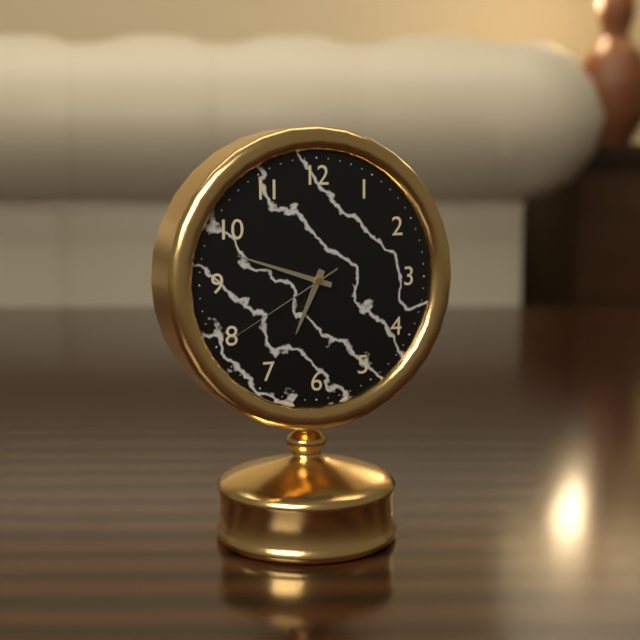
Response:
{"hour": 6, "minute": 48, "second": 40}
